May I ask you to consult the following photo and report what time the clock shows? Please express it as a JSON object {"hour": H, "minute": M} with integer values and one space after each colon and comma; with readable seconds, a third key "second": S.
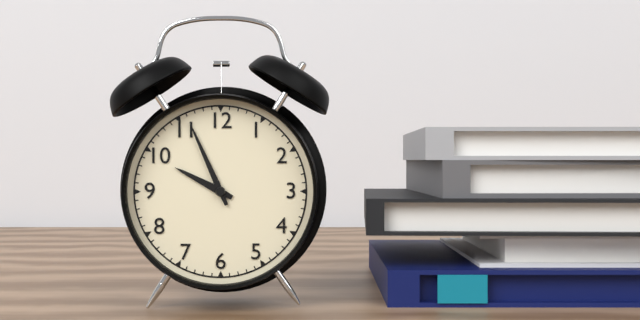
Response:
{"hour": 9, "minute": 56}
